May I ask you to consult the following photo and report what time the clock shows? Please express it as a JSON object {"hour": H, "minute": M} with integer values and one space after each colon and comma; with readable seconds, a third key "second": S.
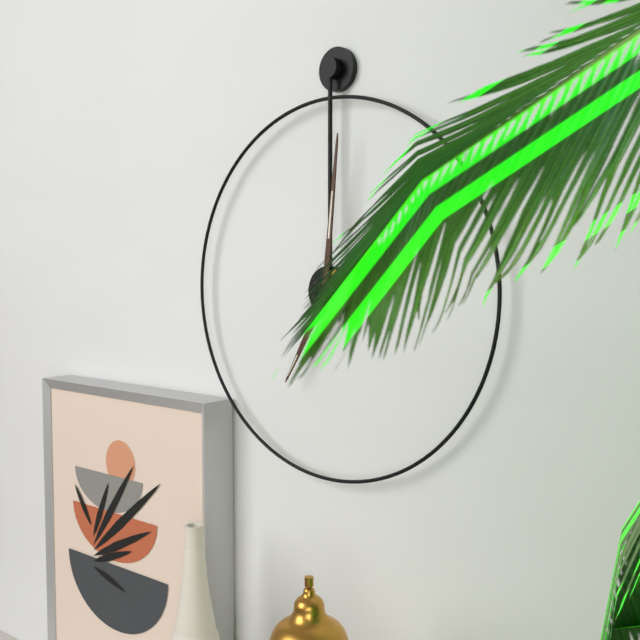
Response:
{"hour": 7, "minute": 1}
